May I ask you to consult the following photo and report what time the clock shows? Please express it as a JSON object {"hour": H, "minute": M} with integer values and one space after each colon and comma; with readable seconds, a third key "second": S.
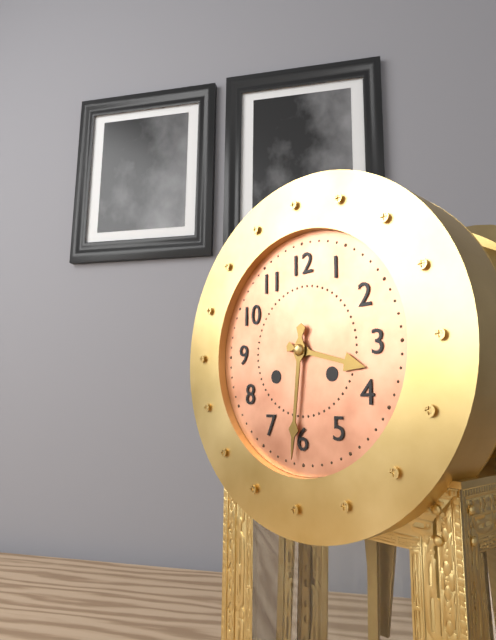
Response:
{"hour": 3, "minute": 31}
